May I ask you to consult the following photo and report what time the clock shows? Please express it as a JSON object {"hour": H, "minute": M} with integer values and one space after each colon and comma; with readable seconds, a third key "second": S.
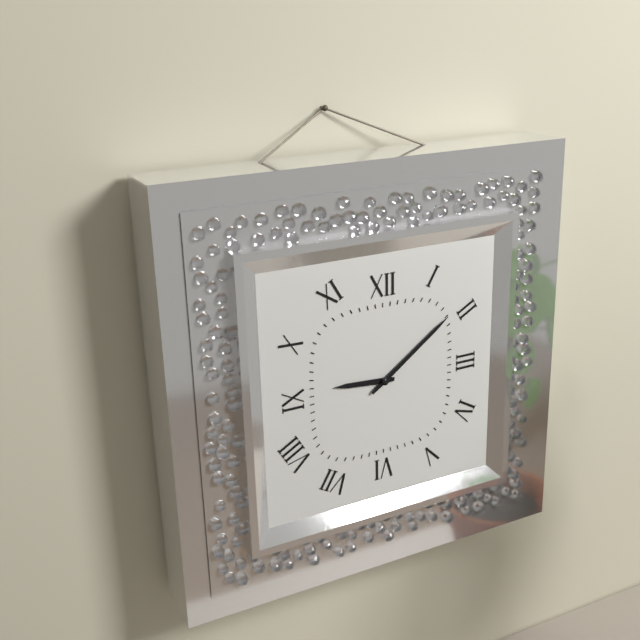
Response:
{"hour": 9, "minute": 9}
